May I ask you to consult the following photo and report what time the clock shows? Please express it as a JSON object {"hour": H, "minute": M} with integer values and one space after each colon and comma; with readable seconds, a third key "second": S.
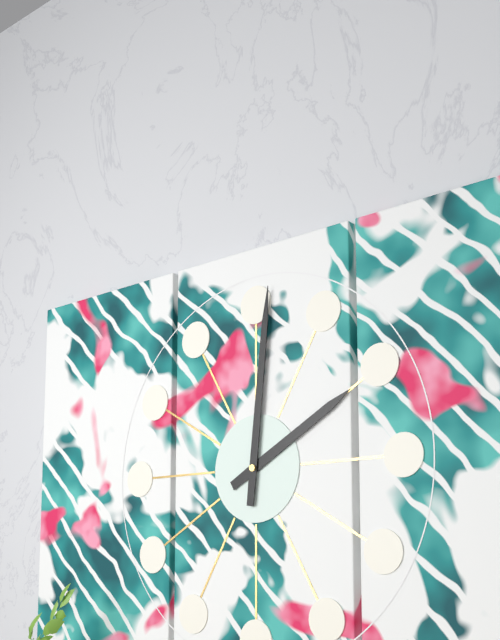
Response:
{"hour": 2, "minute": 1}
